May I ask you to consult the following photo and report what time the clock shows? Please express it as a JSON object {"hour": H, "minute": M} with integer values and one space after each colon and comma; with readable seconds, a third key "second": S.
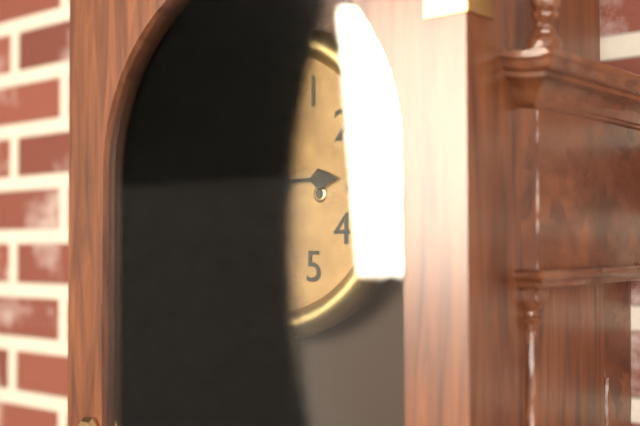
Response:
{"hour": 2, "minute": 59}
